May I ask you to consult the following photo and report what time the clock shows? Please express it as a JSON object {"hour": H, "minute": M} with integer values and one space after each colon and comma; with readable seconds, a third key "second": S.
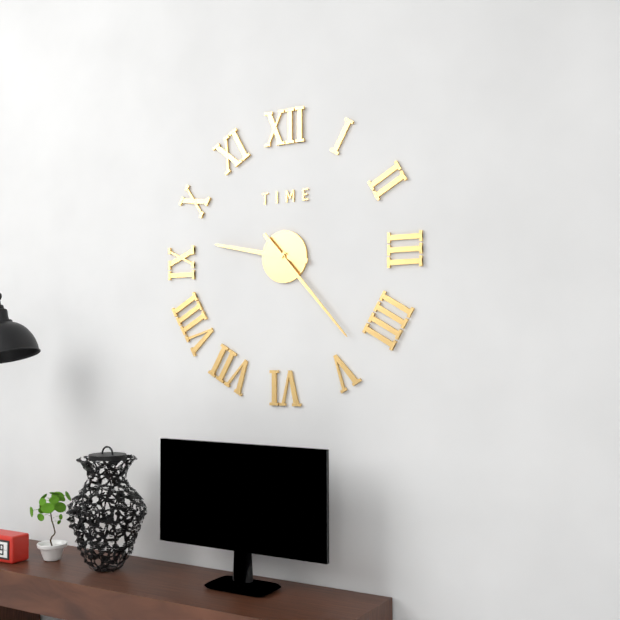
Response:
{"hour": 9, "minute": 23}
